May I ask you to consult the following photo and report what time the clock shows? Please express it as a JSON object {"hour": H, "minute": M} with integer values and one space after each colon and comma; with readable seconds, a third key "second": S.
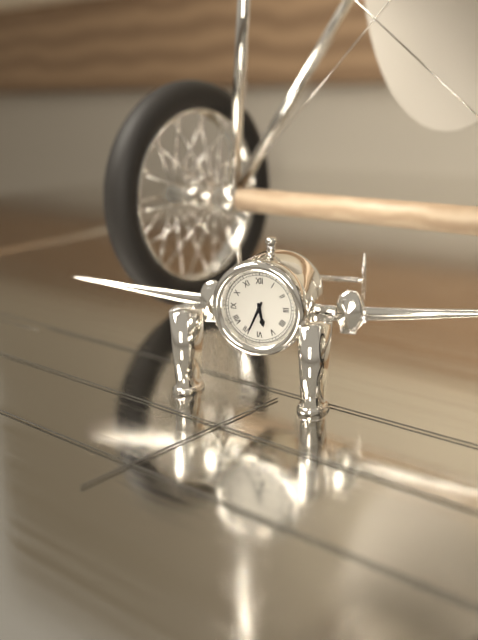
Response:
{"hour": 5, "minute": 34}
